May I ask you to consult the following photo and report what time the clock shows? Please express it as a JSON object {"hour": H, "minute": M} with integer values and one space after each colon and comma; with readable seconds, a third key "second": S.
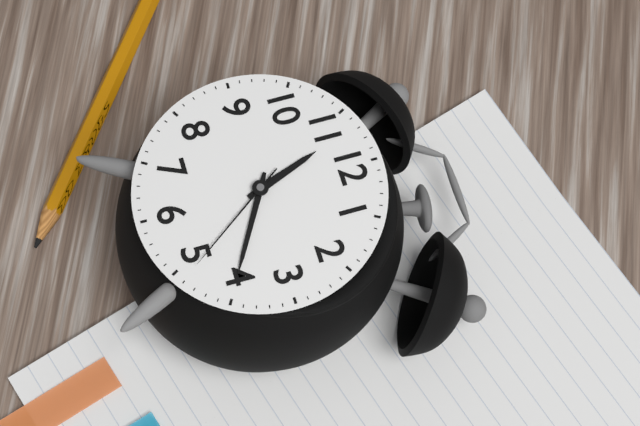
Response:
{"hour": 11, "minute": 20, "second": 24}
